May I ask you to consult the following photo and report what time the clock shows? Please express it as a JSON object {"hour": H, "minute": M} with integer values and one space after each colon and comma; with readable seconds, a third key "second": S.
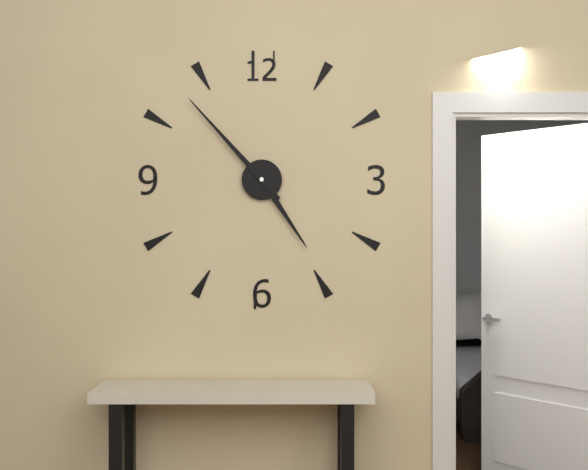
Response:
{"hour": 4, "minute": 53}
